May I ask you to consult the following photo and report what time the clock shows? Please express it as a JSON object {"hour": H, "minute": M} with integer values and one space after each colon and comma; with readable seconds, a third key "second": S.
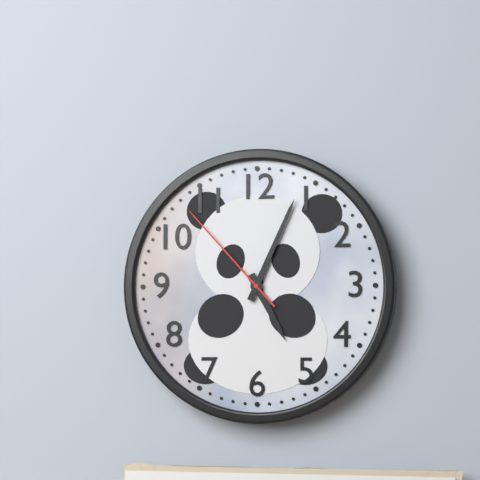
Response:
{"hour": 5, "minute": 4, "second": 53}
